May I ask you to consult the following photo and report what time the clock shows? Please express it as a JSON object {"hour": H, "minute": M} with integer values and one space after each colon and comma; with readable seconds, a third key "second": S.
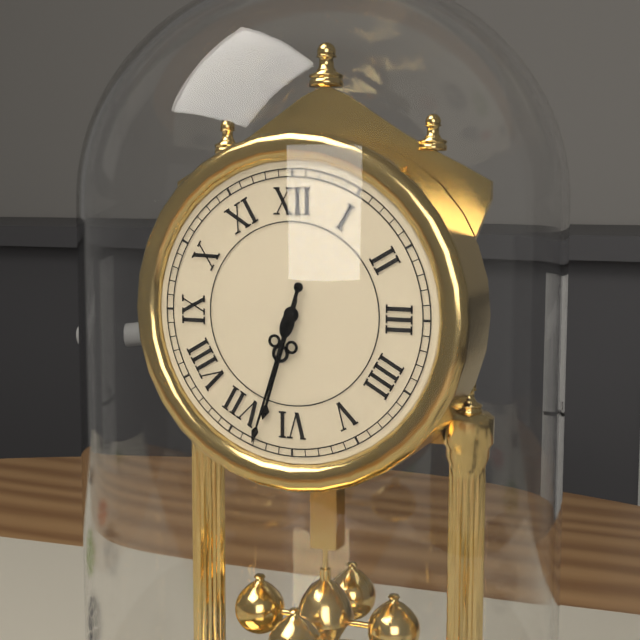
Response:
{"hour": 6, "minute": 33}
